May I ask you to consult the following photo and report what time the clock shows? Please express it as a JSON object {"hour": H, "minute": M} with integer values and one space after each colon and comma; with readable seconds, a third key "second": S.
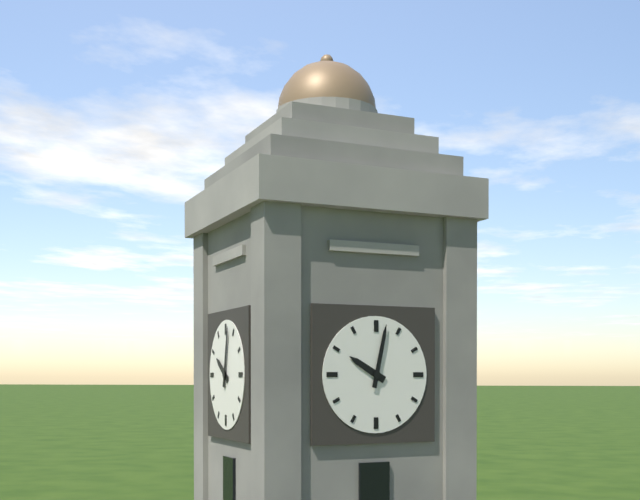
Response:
{"hour": 10, "minute": 2}
